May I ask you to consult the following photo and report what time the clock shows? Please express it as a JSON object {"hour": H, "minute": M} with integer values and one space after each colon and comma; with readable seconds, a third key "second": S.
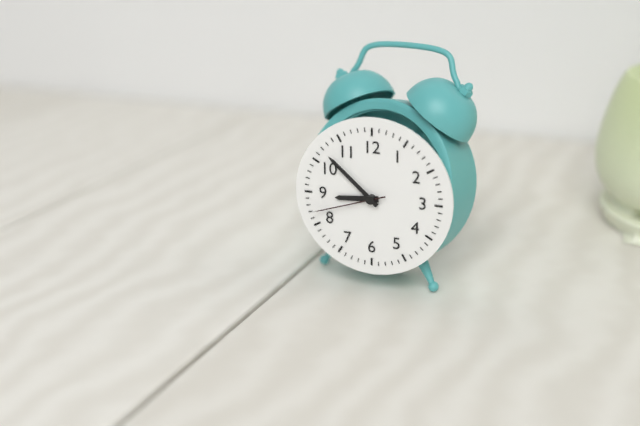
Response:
{"hour": 8, "minute": 52, "second": 42}
